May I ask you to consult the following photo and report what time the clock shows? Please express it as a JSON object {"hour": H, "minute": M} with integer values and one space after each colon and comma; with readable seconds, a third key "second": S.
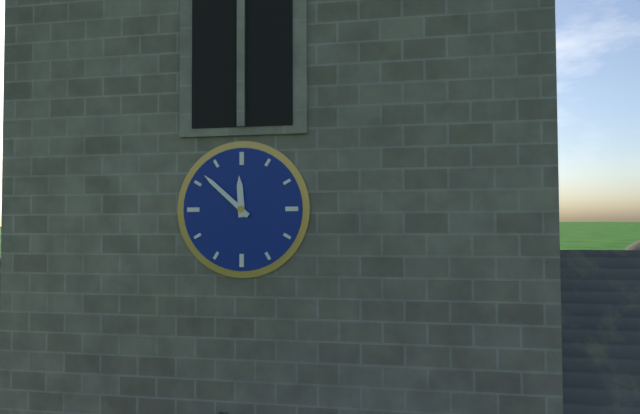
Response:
{"hour": 11, "minute": 52}
